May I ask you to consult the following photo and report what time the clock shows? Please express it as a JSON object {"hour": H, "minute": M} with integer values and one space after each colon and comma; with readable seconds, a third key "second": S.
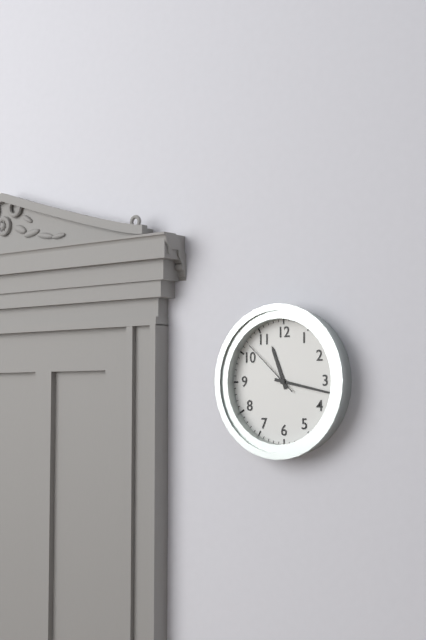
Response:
{"hour": 11, "minute": 17, "second": 52}
